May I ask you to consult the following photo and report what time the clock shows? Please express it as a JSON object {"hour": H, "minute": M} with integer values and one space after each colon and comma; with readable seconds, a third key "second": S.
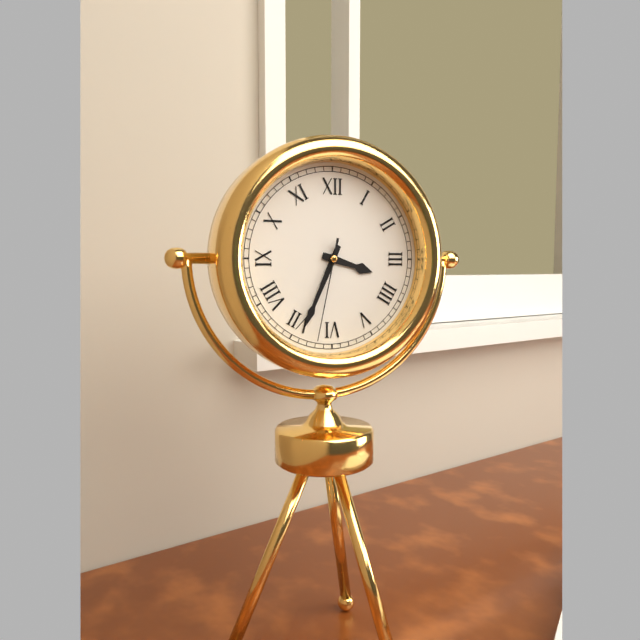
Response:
{"hour": 3, "minute": 34, "second": 32}
